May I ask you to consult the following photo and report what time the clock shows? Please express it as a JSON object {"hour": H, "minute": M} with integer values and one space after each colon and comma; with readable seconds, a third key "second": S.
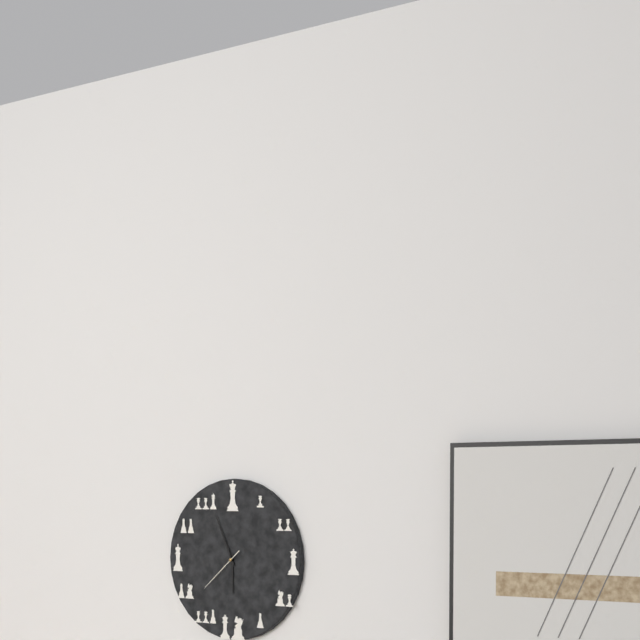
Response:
{"hour": 5, "minute": 56}
